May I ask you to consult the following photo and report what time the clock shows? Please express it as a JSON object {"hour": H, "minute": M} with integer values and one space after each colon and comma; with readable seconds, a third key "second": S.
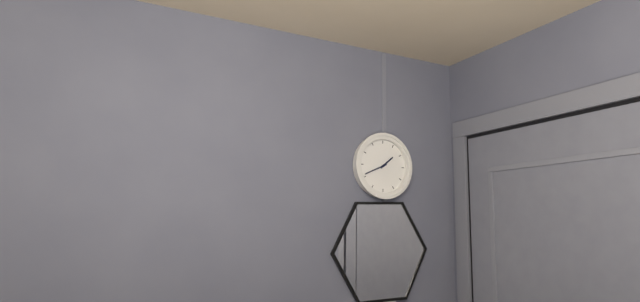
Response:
{"hour": 1, "minute": 41}
